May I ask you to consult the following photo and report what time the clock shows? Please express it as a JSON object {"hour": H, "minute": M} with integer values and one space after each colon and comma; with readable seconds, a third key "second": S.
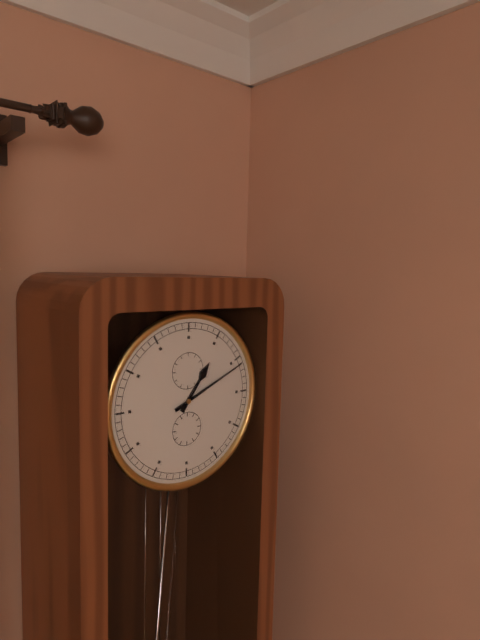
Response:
{"hour": 1, "minute": 11}
